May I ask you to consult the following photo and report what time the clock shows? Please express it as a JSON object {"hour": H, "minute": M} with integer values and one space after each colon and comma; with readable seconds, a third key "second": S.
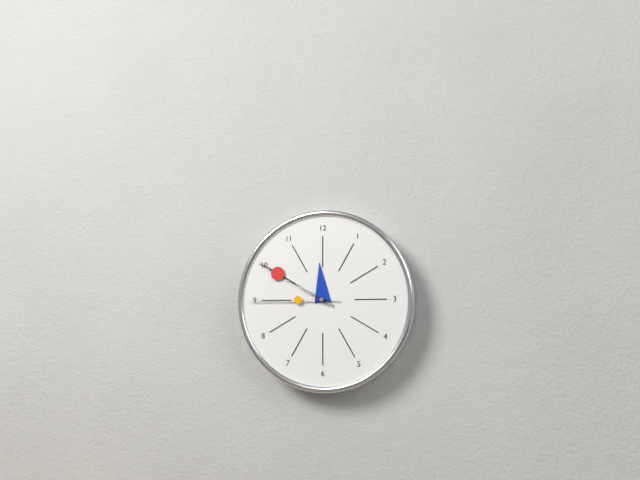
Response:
{"hour": 11, "minute": 50, "second": 45}
